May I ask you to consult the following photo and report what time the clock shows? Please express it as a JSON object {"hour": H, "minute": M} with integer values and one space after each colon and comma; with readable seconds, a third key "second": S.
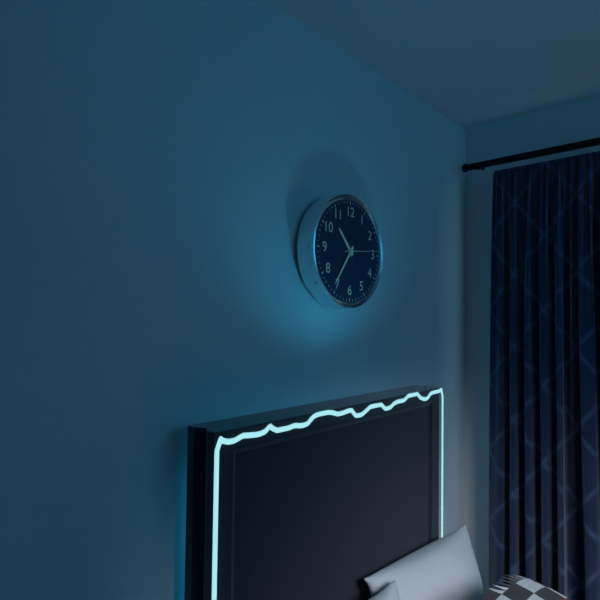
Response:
{"hour": 10, "minute": 36}
